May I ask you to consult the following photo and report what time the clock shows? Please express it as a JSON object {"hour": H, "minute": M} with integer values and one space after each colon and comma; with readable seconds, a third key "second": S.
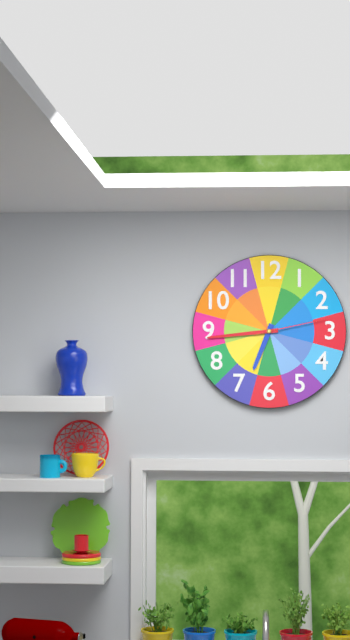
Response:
{"hour": 6, "minute": 44, "second": 13}
